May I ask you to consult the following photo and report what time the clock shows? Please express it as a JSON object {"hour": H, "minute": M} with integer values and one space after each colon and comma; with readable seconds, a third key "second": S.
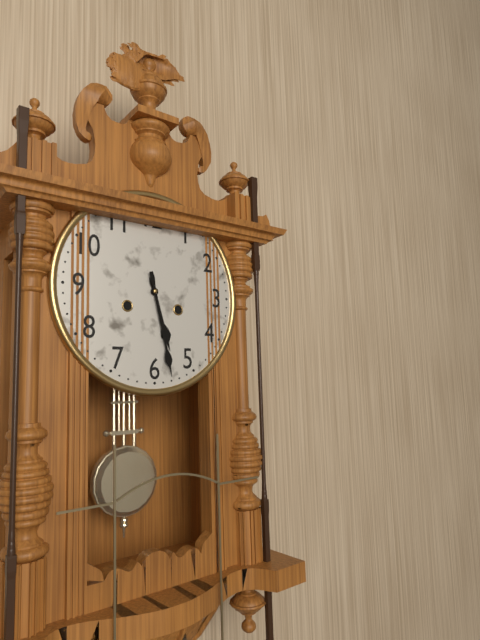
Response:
{"hour": 5, "minute": 28}
